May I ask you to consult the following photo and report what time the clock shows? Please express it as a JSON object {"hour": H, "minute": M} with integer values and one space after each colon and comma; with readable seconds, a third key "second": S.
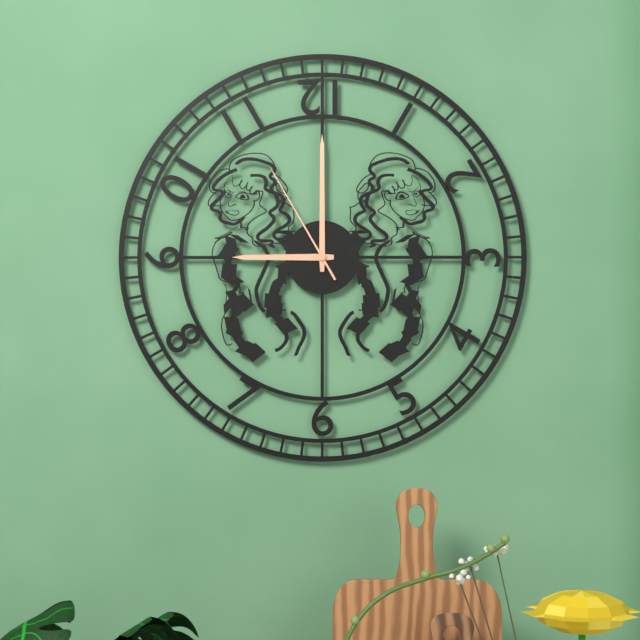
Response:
{"hour": 9, "minute": 0, "second": 55}
